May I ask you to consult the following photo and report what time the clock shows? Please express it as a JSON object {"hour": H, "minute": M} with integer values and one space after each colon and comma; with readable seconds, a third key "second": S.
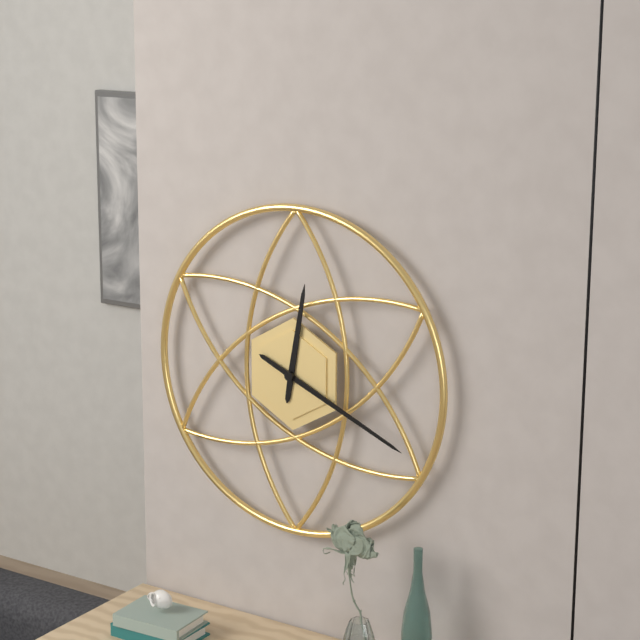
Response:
{"hour": 12, "minute": 19}
